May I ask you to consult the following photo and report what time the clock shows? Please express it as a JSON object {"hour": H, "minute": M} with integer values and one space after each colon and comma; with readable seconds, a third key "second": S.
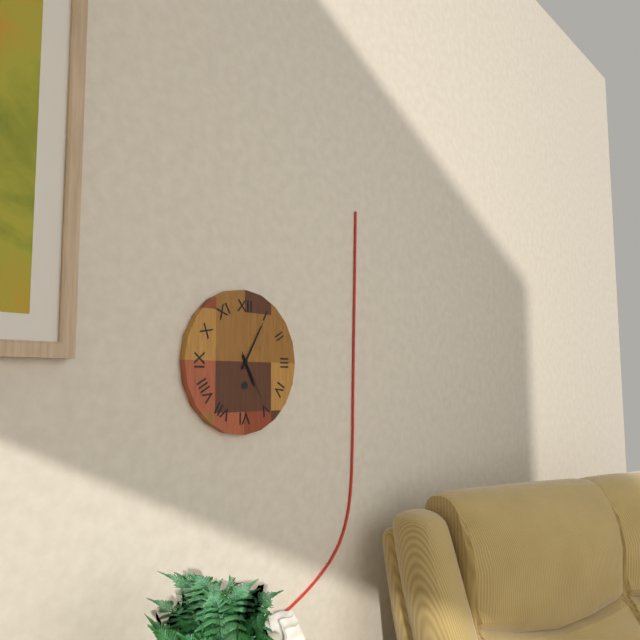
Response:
{"hour": 5, "minute": 5, "second": 25}
